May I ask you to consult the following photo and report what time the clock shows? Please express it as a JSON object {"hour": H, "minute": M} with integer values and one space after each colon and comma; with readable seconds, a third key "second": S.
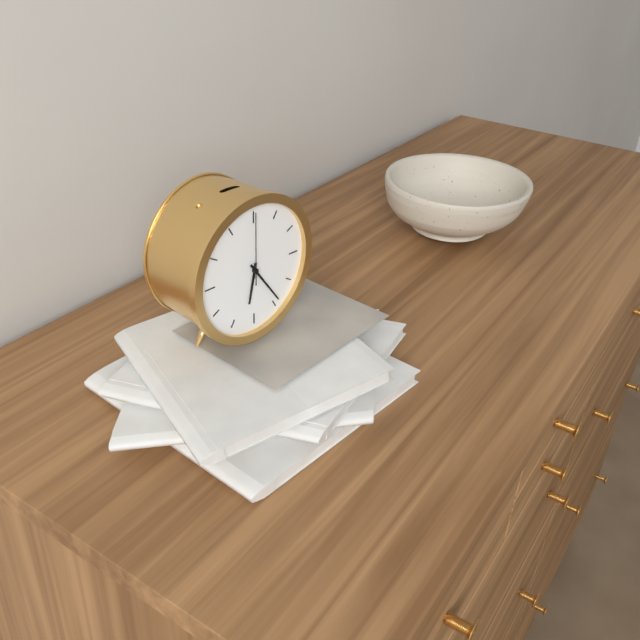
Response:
{"hour": 6, "minute": 24, "second": 0}
